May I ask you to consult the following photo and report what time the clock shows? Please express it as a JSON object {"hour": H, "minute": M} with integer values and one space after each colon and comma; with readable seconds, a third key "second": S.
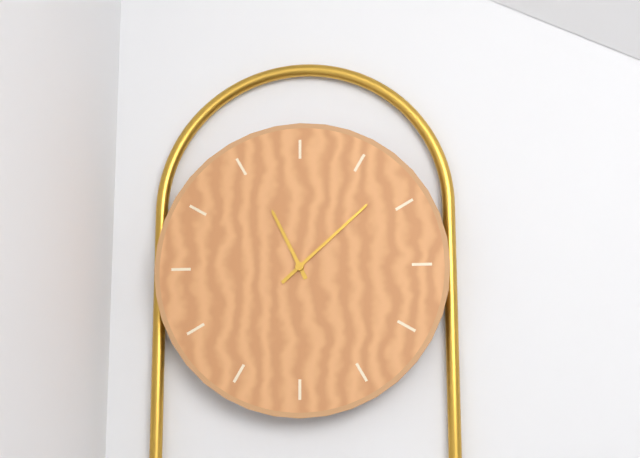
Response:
{"hour": 11, "minute": 8}
